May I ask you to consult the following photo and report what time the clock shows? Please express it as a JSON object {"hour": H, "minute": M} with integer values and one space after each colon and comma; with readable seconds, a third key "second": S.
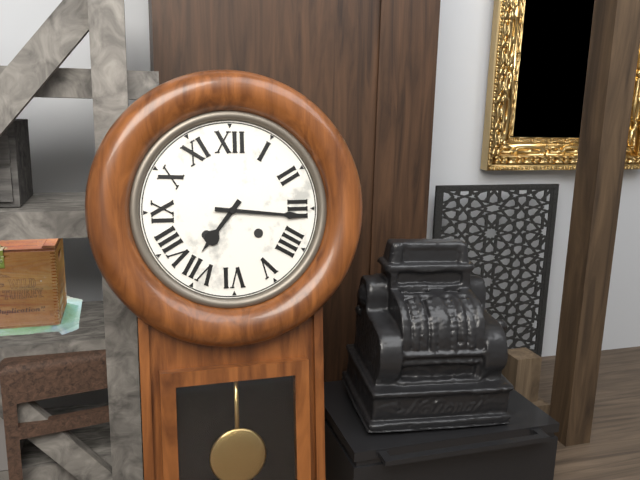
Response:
{"hour": 7, "minute": 16}
